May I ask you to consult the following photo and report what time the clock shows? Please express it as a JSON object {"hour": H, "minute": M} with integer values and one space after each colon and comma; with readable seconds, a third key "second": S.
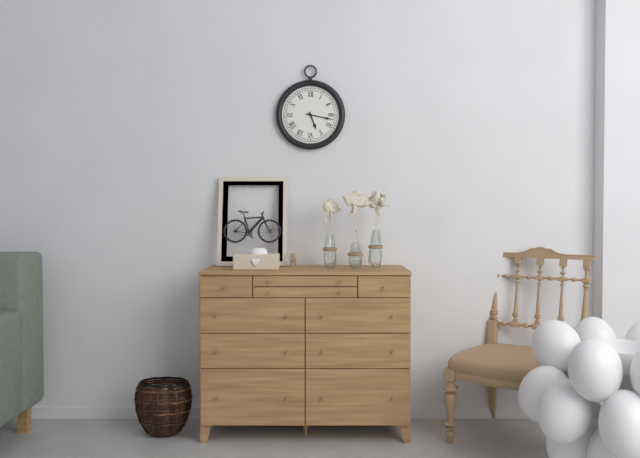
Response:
{"hour": 5, "minute": 17}
